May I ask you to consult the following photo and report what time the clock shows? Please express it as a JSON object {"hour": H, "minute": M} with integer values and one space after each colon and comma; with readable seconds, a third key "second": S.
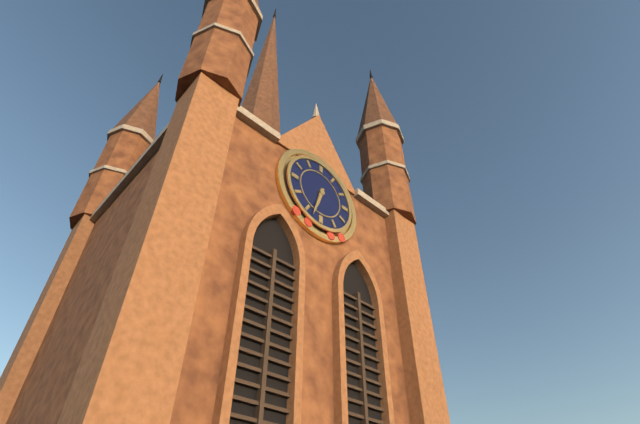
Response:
{"hour": 6, "minute": 33}
